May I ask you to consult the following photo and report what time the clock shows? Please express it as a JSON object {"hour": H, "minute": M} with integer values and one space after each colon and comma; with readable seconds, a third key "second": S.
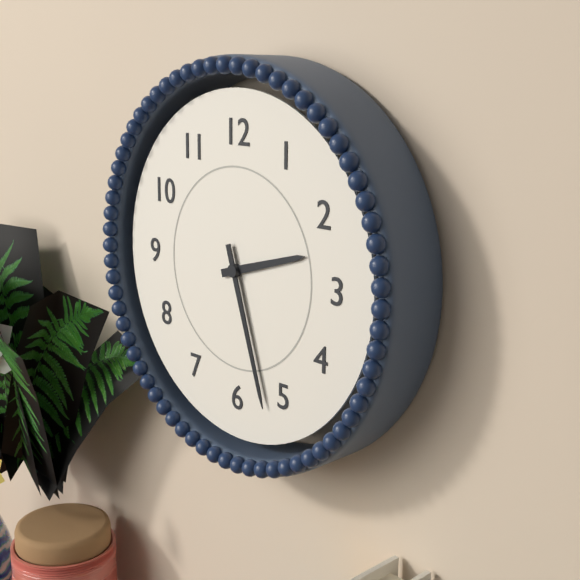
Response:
{"hour": 2, "minute": 27}
